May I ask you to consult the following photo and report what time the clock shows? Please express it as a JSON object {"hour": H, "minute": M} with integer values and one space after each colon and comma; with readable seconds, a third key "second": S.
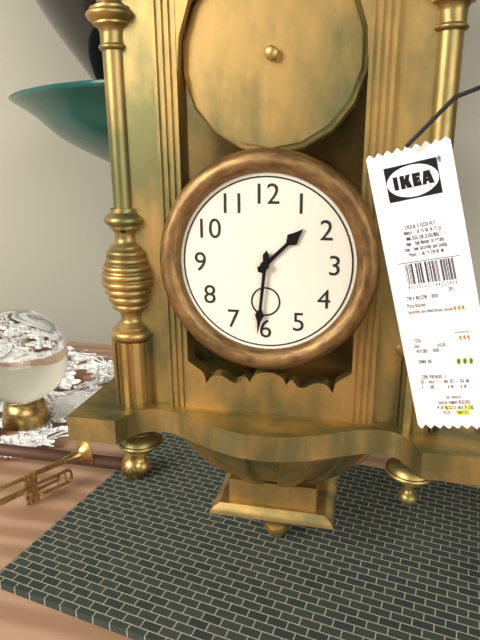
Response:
{"hour": 1, "minute": 31}
